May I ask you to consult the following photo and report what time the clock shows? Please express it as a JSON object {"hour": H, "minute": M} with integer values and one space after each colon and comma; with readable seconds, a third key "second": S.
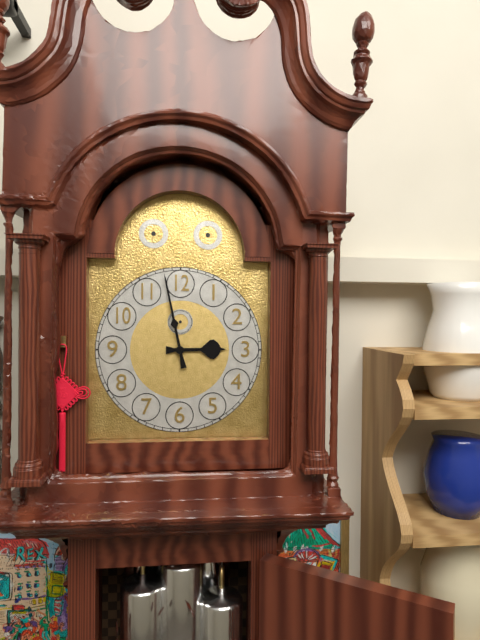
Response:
{"hour": 2, "minute": 58}
